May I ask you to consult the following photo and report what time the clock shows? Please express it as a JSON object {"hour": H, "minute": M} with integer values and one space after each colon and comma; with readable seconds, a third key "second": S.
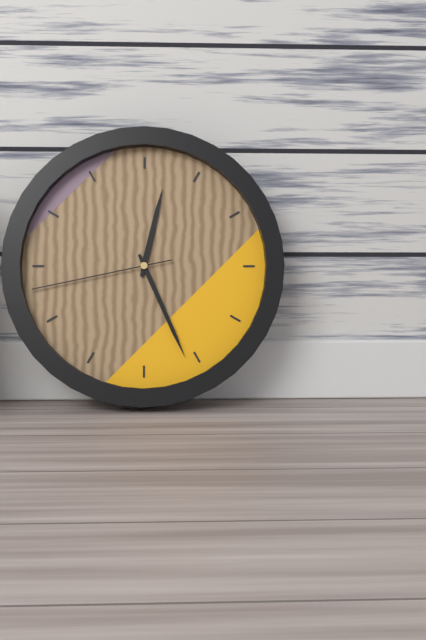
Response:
{"hour": 12, "minute": 26, "second": 43}
